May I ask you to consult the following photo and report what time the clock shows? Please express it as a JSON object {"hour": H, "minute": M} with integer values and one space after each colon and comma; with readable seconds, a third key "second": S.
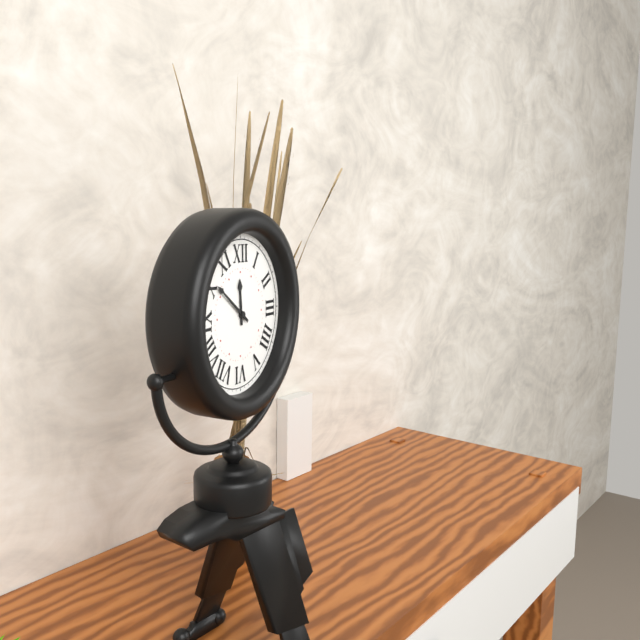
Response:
{"hour": 11, "minute": 51}
